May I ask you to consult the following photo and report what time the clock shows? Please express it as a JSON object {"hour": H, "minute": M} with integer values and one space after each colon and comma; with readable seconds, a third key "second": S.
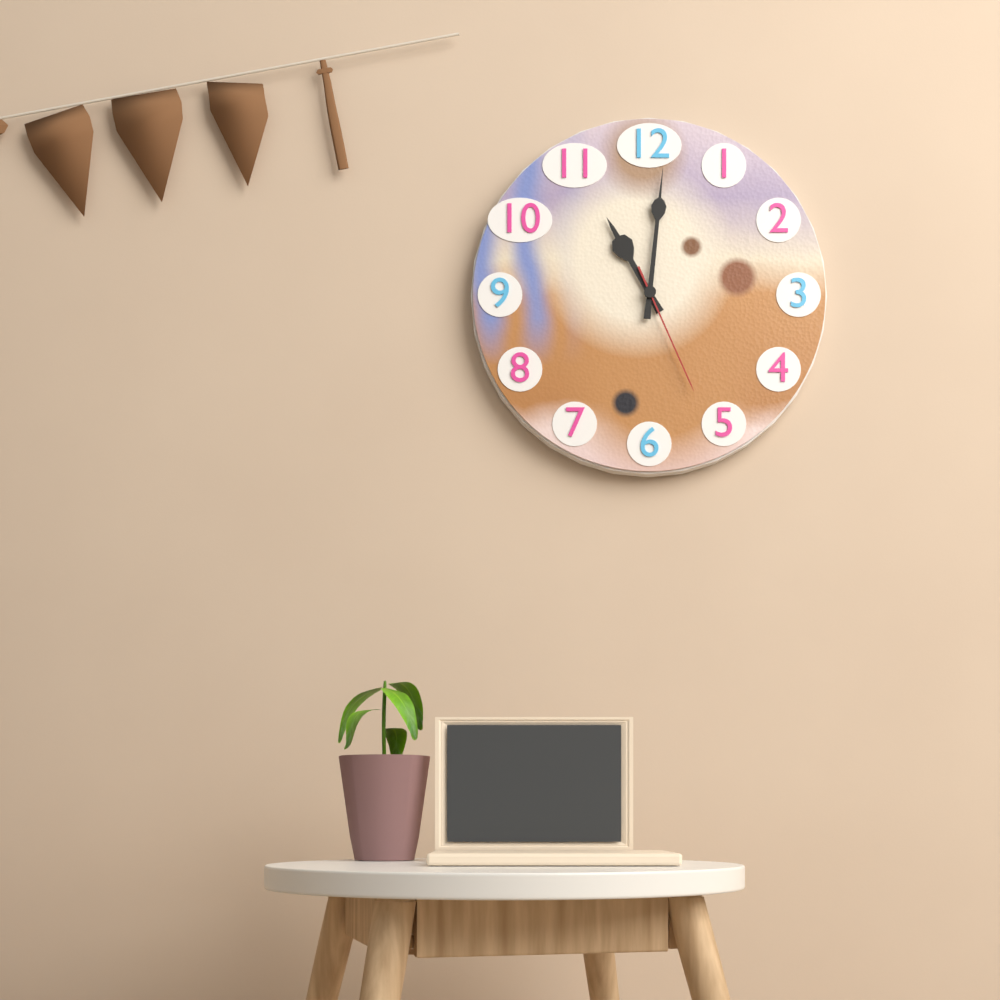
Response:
{"hour": 11, "minute": 1, "second": 26}
